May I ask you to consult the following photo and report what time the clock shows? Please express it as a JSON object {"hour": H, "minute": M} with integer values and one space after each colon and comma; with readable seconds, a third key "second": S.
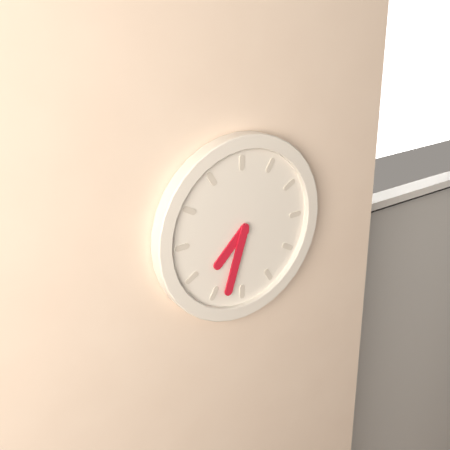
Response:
{"hour": 7, "minute": 33}
